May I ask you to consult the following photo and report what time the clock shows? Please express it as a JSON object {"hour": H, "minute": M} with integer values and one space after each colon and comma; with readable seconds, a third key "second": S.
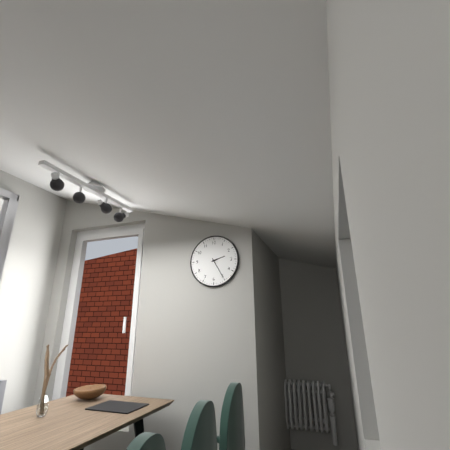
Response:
{"hour": 2, "minute": 25}
